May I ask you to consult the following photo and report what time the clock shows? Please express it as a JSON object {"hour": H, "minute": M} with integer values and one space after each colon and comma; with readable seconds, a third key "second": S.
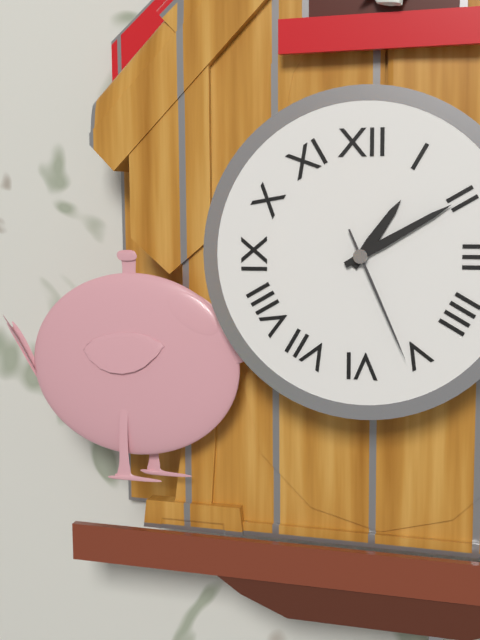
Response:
{"hour": 1, "minute": 10, "second": 26}
